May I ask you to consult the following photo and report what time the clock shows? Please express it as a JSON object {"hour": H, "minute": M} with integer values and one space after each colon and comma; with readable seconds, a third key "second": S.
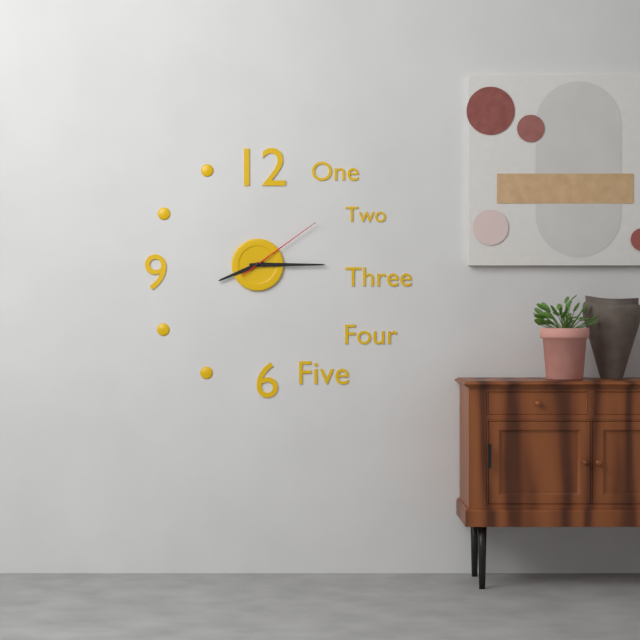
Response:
{"hour": 8, "minute": 15, "second": 9}
